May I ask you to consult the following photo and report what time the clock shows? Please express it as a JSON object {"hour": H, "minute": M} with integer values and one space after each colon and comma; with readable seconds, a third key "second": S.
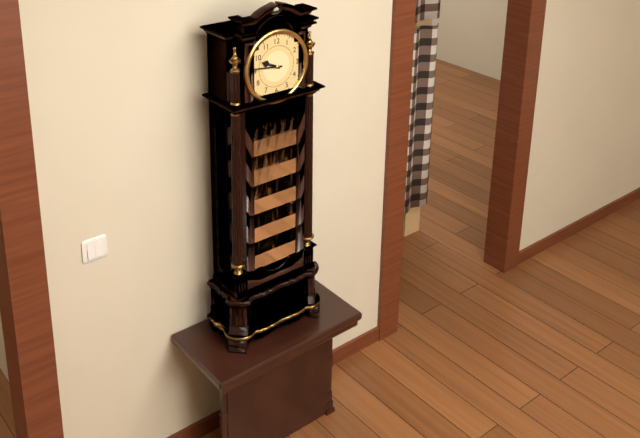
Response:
{"hour": 9, "minute": 46}
